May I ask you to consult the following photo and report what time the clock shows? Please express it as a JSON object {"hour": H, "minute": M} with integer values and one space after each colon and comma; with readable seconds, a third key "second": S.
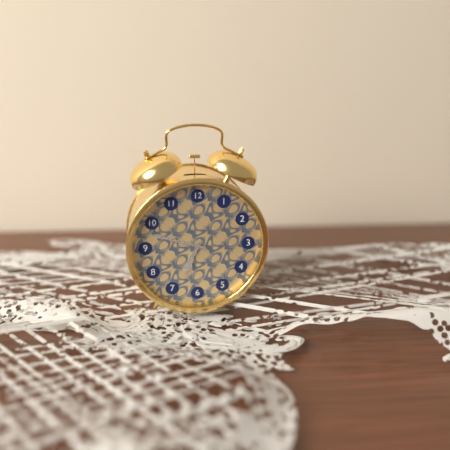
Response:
{"hour": 6, "minute": 48}
